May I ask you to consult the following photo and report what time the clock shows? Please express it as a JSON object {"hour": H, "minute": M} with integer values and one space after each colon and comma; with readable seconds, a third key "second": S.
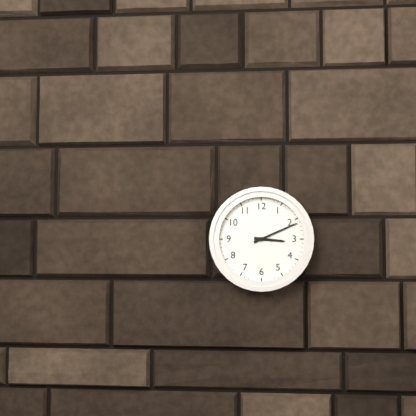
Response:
{"hour": 3, "minute": 11}
